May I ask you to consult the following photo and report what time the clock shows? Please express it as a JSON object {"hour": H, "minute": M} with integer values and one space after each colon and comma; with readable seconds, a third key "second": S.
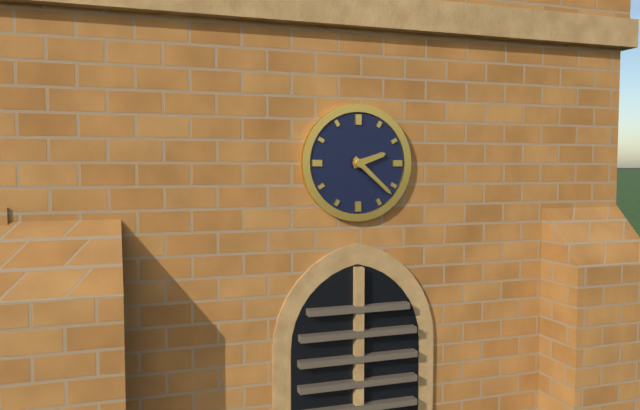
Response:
{"hour": 2, "minute": 22}
